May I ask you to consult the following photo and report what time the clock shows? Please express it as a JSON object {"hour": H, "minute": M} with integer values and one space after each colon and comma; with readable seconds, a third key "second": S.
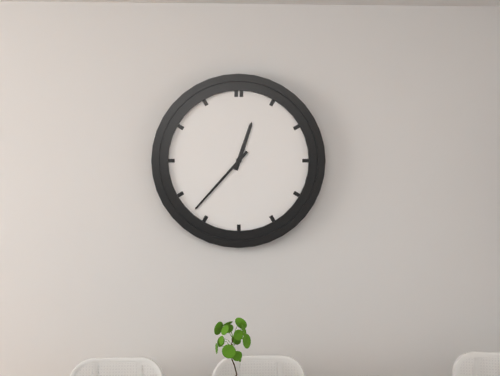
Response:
{"hour": 12, "minute": 37}
